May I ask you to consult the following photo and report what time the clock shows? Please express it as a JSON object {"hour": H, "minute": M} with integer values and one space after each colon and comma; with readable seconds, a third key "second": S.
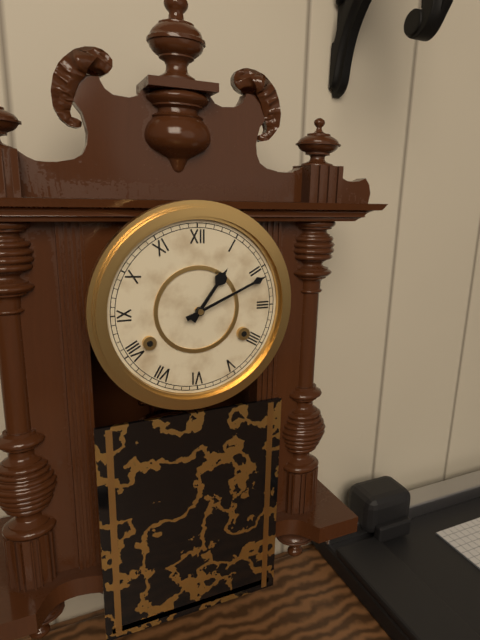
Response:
{"hour": 1, "minute": 11}
